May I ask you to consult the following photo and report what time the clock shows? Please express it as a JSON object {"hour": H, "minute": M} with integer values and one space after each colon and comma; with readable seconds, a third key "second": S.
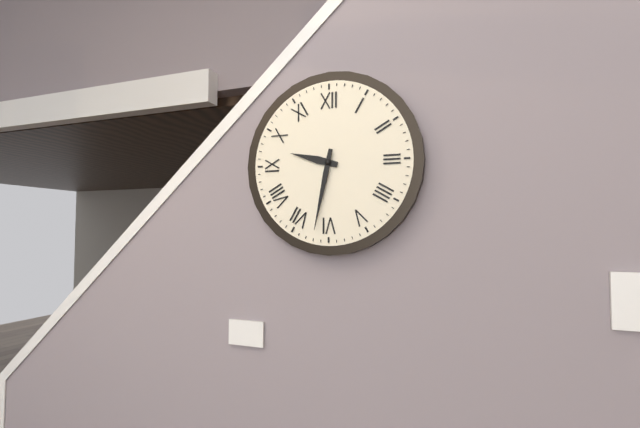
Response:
{"hour": 9, "minute": 32}
